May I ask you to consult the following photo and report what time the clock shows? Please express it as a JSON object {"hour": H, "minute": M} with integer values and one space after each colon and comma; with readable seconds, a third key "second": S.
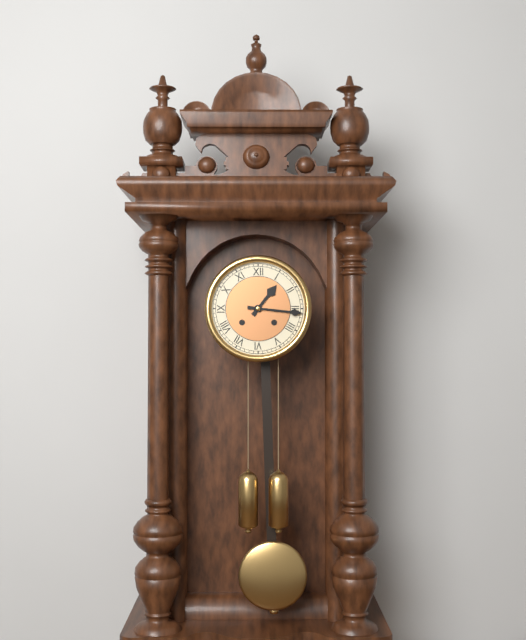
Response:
{"hour": 1, "minute": 16}
